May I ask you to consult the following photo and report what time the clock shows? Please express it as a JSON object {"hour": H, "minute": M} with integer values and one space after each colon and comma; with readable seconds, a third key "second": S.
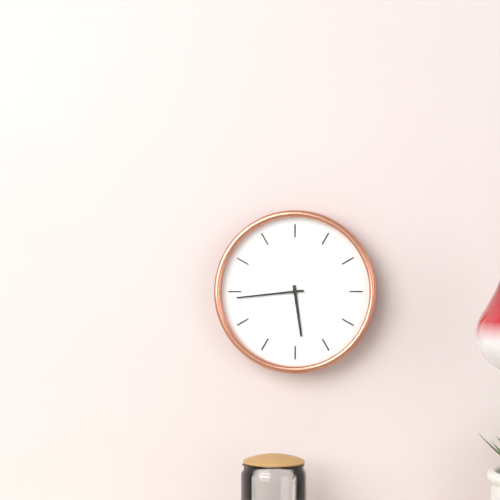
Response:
{"hour": 5, "minute": 44}
